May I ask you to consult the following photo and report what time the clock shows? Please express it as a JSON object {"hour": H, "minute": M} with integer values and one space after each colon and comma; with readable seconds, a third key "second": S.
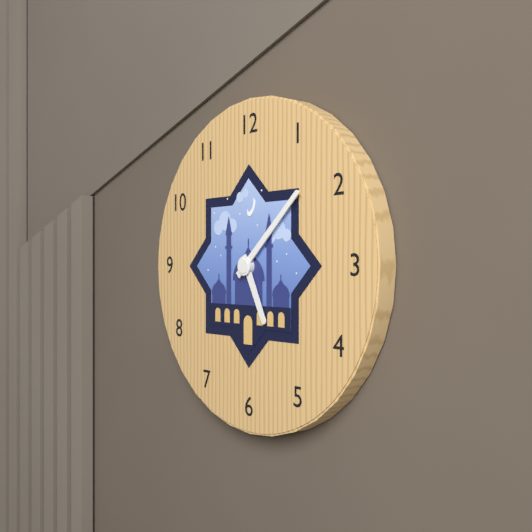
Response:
{"hour": 5, "minute": 8}
